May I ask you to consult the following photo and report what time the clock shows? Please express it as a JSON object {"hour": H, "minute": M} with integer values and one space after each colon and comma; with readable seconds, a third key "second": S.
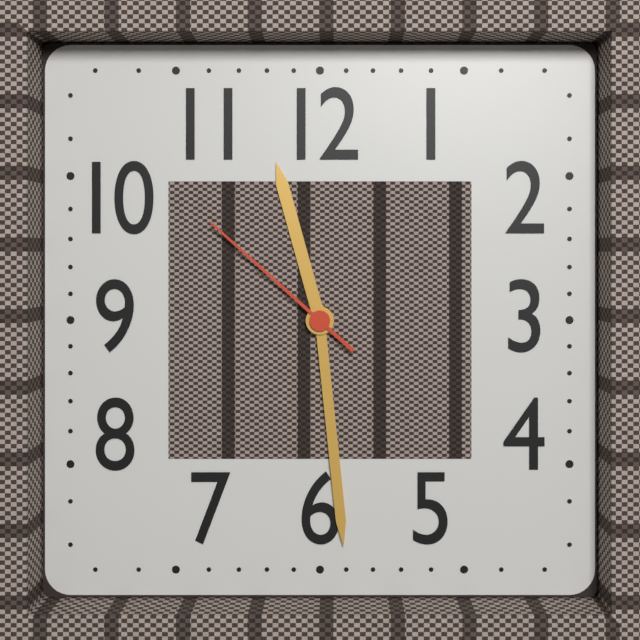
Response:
{"hour": 11, "minute": 29, "second": 52}
